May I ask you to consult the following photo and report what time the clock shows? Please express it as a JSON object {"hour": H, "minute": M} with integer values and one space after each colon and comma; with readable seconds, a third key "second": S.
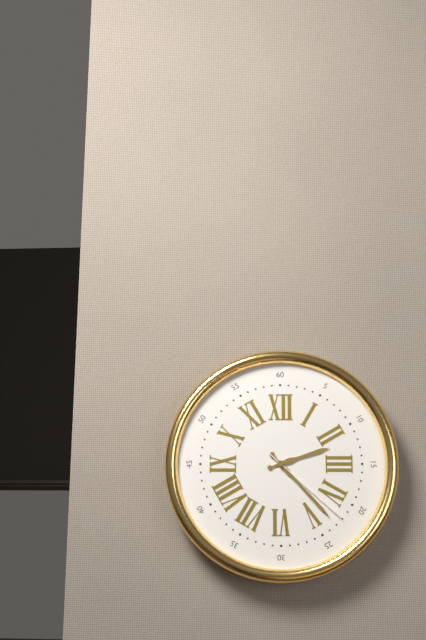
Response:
{"hour": 2, "minute": 23, "second": 22}
